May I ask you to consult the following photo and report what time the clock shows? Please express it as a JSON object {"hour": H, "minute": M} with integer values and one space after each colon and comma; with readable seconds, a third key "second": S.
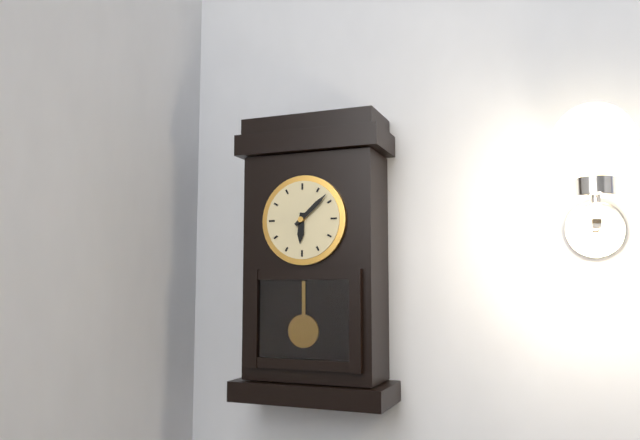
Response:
{"hour": 6, "minute": 8}
